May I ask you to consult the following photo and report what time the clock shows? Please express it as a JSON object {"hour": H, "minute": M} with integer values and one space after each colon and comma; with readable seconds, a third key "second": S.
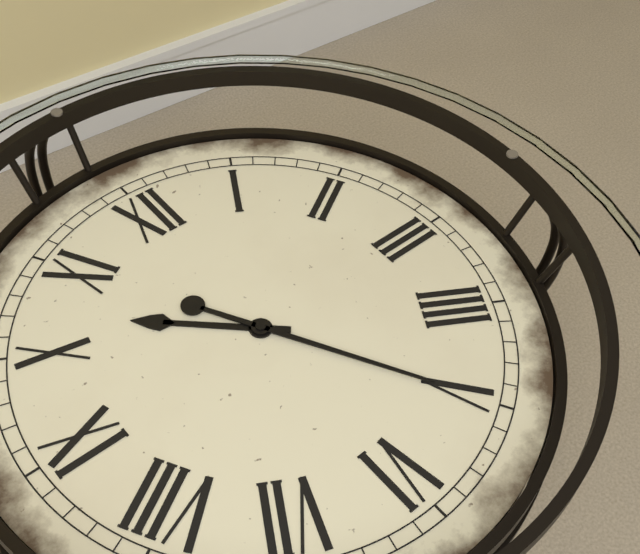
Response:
{"hour": 10, "minute": 25}
